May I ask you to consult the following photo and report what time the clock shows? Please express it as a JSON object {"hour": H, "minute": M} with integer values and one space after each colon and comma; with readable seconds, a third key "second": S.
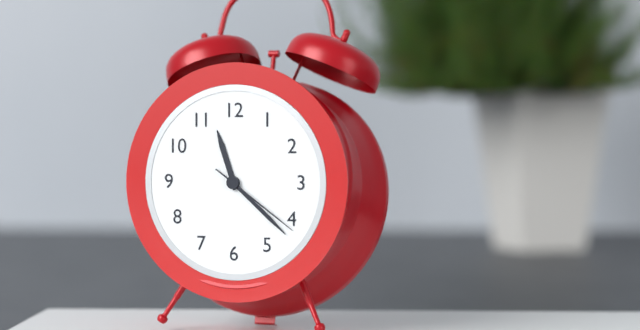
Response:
{"hour": 11, "minute": 22, "second": 21}
